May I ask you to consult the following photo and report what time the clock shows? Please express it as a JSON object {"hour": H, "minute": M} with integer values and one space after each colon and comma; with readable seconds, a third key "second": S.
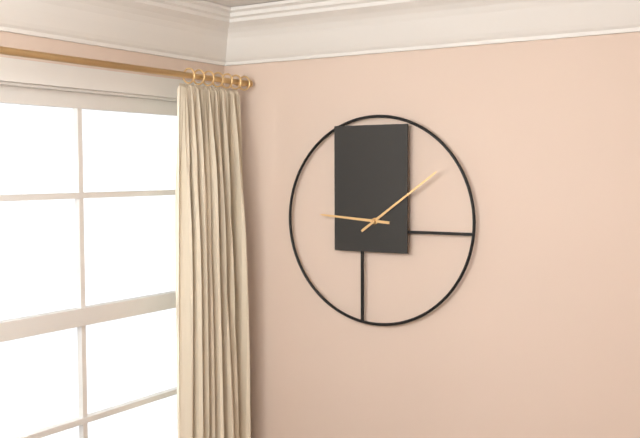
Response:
{"hour": 9, "minute": 9}
